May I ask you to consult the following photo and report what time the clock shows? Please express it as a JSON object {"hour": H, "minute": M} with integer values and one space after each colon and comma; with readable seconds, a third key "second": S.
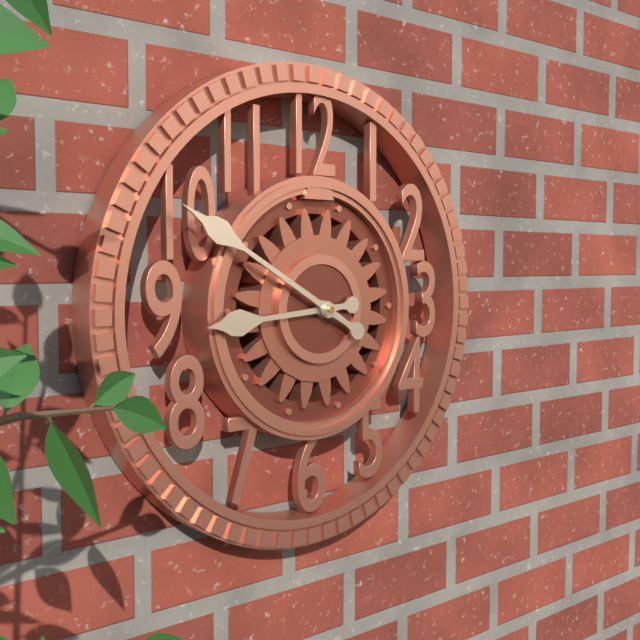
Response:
{"hour": 8, "minute": 50}
